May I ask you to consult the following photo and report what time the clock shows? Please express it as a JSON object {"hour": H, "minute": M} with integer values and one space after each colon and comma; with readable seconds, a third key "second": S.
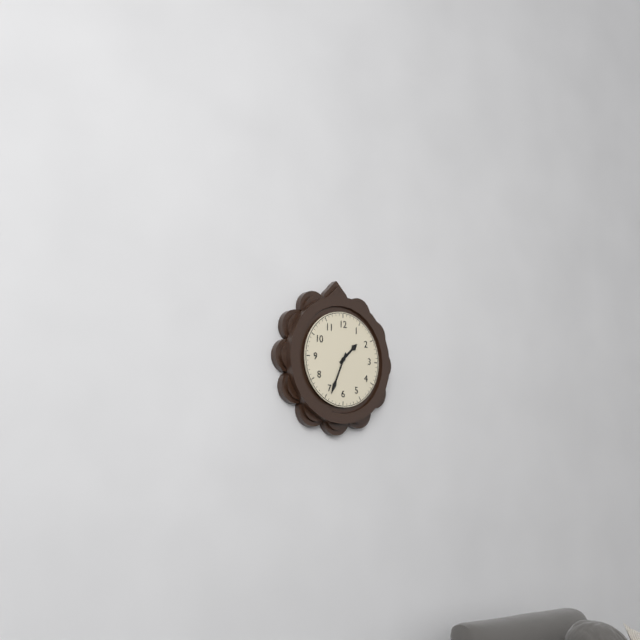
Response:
{"hour": 1, "minute": 34}
